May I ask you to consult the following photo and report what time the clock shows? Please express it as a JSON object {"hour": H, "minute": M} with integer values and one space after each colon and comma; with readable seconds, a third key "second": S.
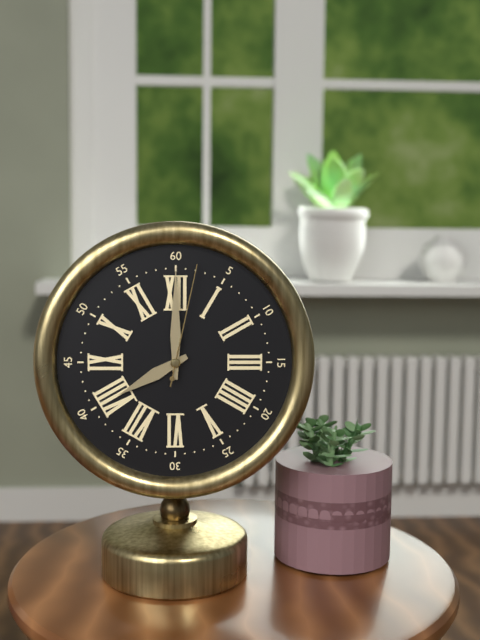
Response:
{"hour": 8, "minute": 0, "second": 2}
